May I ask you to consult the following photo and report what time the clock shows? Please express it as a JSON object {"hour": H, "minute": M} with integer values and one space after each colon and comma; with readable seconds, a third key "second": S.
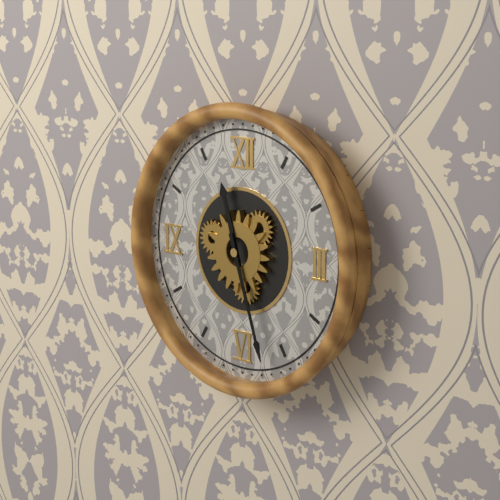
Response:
{"hour": 11, "minute": 27}
